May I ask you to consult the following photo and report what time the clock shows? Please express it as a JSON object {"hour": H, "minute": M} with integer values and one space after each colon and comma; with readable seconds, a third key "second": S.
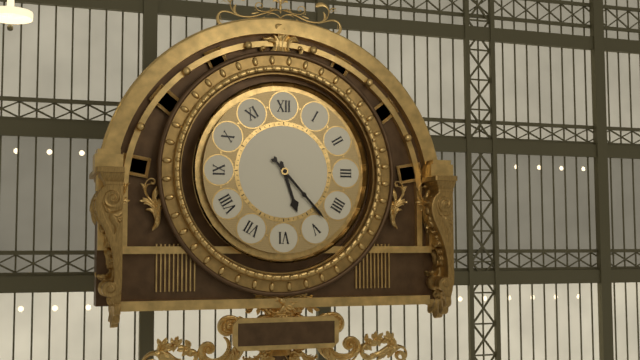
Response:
{"hour": 5, "minute": 23}
